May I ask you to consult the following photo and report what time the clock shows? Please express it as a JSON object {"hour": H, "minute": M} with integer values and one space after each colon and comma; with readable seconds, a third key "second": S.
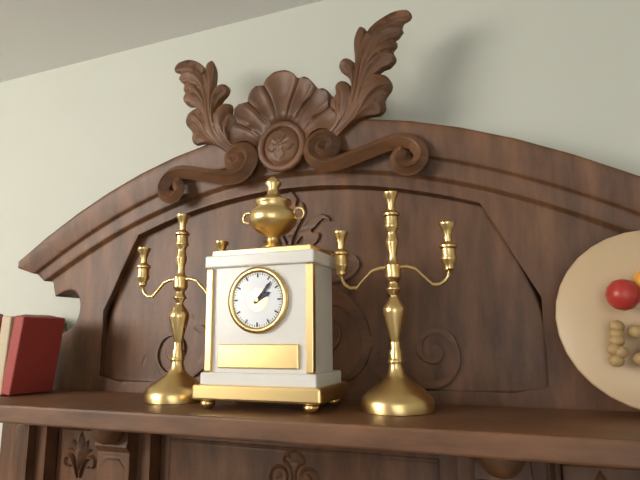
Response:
{"hour": 2, "minute": 7}
